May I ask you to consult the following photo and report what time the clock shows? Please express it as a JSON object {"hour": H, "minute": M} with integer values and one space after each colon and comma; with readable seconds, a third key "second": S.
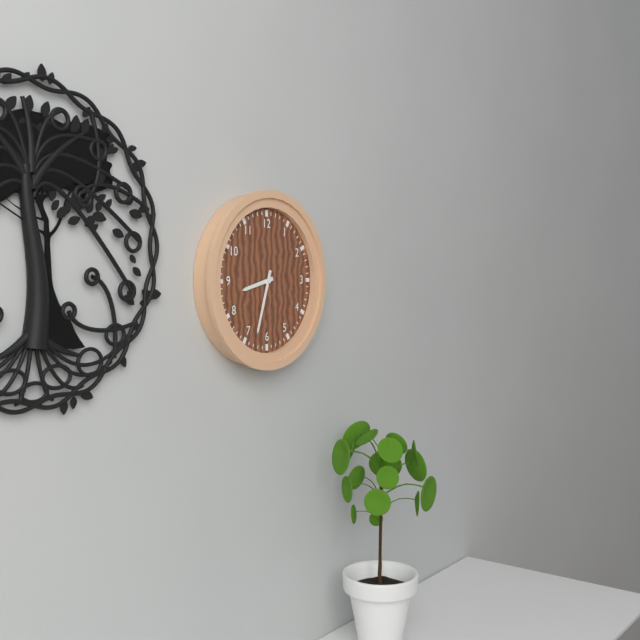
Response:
{"hour": 8, "minute": 33}
